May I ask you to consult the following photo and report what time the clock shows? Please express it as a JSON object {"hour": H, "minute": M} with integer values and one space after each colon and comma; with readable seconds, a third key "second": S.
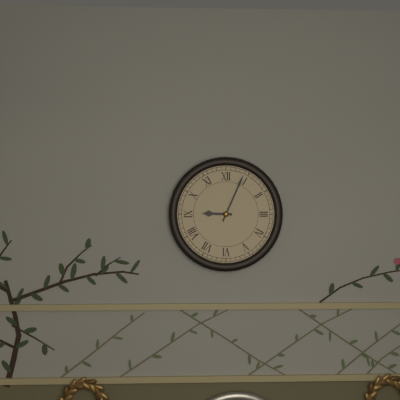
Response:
{"hour": 9, "minute": 4}
